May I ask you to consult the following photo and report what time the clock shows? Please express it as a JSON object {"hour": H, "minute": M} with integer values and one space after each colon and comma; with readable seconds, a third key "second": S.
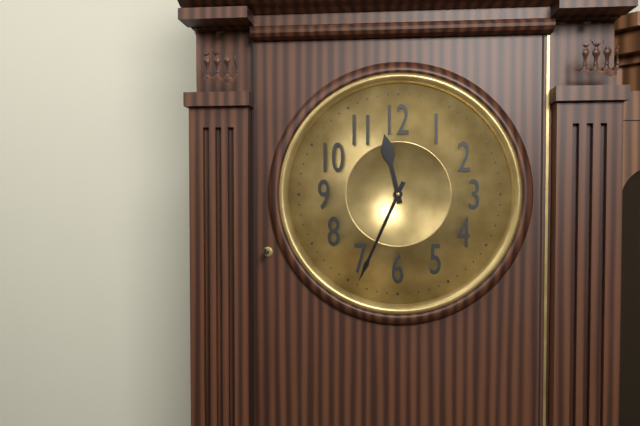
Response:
{"hour": 11, "minute": 34}
